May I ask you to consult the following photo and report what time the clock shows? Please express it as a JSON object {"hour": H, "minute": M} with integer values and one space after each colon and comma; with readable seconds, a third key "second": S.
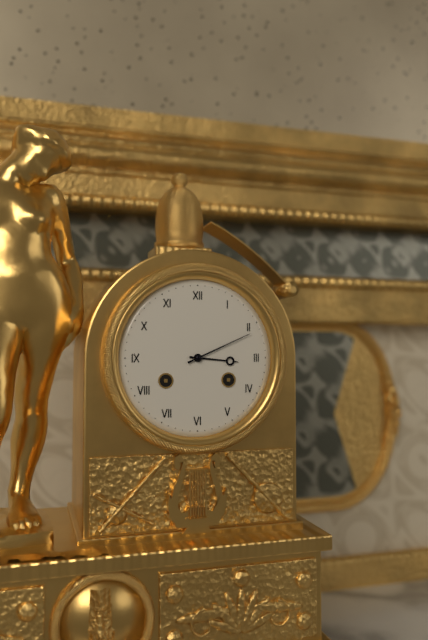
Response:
{"hour": 3, "minute": 11}
